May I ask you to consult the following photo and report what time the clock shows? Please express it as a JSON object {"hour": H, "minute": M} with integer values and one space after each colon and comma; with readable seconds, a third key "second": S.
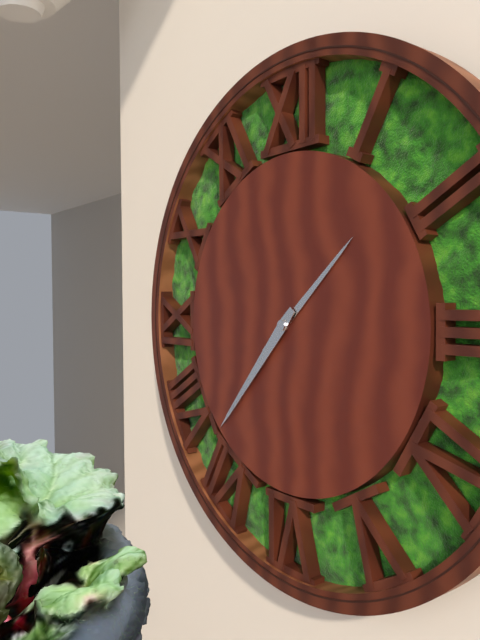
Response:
{"hour": 1, "minute": 37}
